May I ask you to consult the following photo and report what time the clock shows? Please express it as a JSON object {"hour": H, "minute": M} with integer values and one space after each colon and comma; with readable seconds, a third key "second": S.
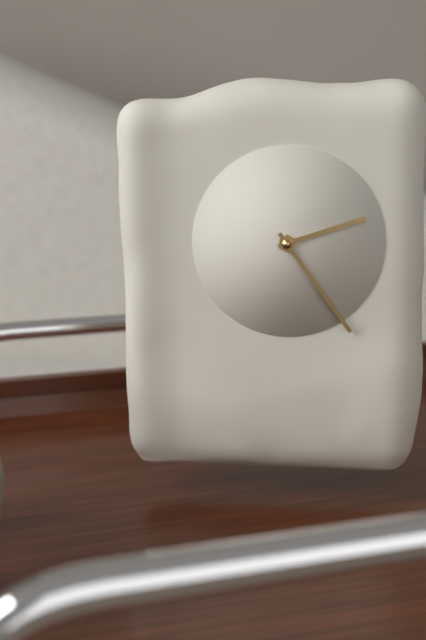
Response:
{"hour": 2, "minute": 24}
